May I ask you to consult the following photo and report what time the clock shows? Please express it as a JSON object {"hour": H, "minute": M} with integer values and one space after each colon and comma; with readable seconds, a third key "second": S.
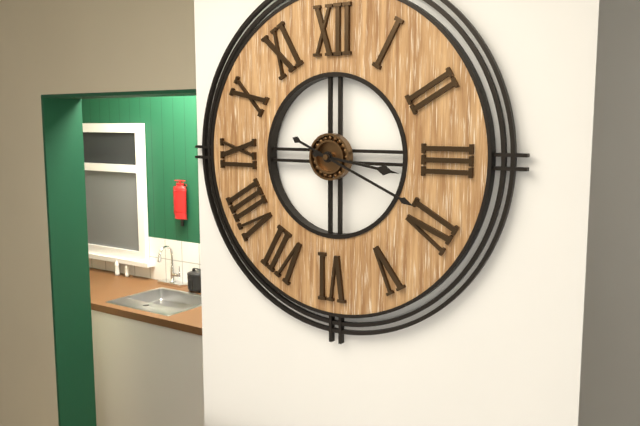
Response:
{"hour": 3, "minute": 19}
